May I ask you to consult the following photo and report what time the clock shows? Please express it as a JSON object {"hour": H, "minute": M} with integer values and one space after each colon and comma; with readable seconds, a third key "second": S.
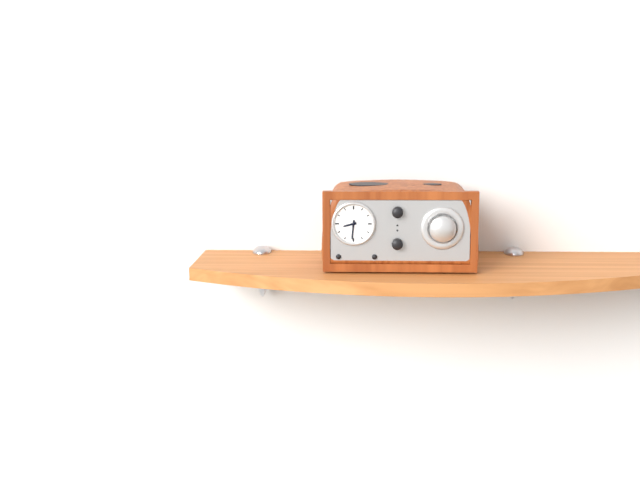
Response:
{"hour": 8, "minute": 31}
